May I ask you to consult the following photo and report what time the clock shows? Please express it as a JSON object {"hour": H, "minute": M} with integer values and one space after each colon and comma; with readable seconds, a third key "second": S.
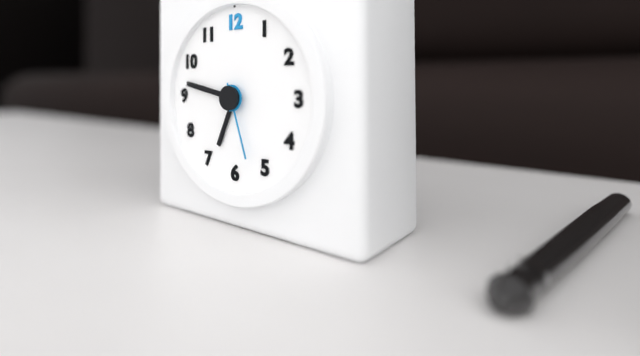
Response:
{"hour": 6, "minute": 47, "second": 27}
